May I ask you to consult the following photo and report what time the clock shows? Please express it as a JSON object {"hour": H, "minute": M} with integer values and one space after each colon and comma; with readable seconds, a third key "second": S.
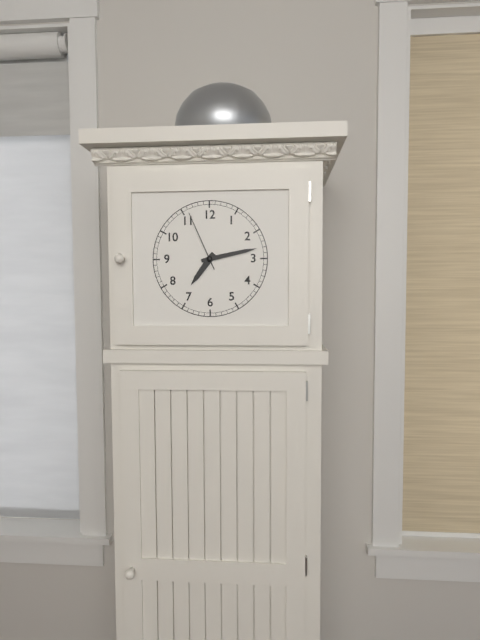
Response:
{"hour": 7, "minute": 13, "second": 56}
